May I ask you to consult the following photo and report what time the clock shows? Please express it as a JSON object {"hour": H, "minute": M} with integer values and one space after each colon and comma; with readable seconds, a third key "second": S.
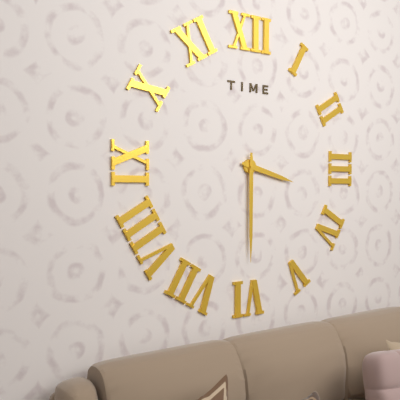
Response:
{"hour": 3, "minute": 30}
